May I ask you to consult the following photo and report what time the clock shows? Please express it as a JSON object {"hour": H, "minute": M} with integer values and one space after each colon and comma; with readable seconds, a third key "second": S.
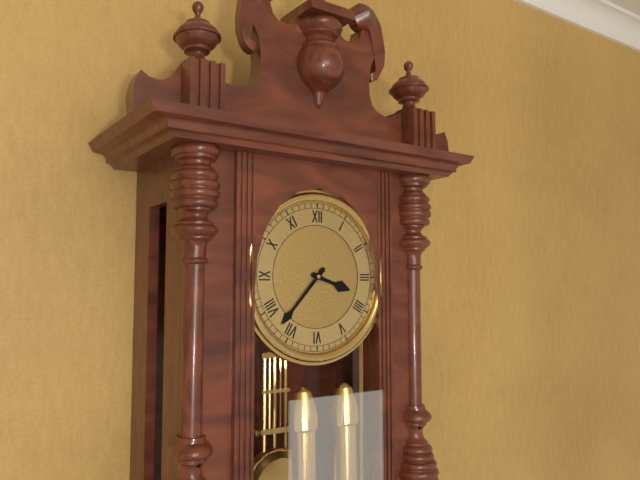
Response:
{"hour": 3, "minute": 37}
